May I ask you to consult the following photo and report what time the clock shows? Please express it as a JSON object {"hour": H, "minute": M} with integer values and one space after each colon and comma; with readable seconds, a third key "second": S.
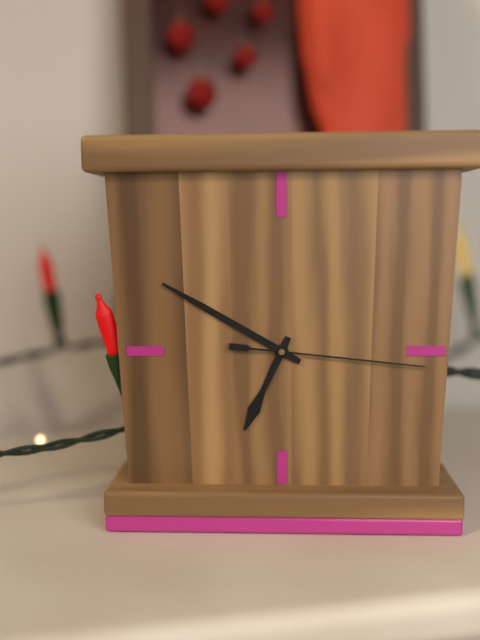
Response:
{"hour": 6, "minute": 50, "second": 16}
